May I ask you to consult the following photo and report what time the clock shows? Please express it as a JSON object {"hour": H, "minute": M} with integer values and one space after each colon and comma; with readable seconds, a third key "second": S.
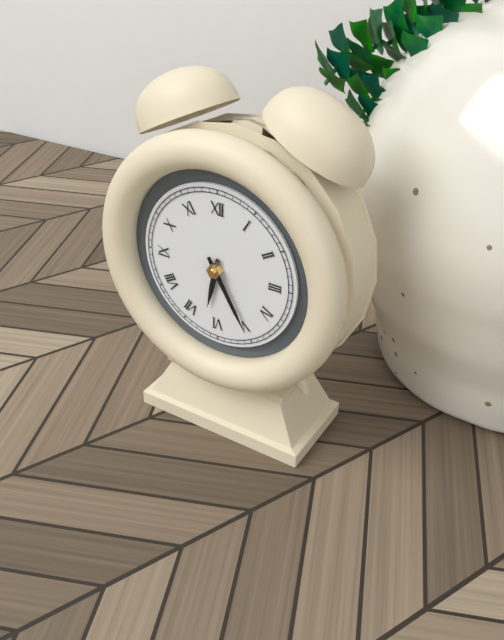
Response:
{"hour": 6, "minute": 25}
